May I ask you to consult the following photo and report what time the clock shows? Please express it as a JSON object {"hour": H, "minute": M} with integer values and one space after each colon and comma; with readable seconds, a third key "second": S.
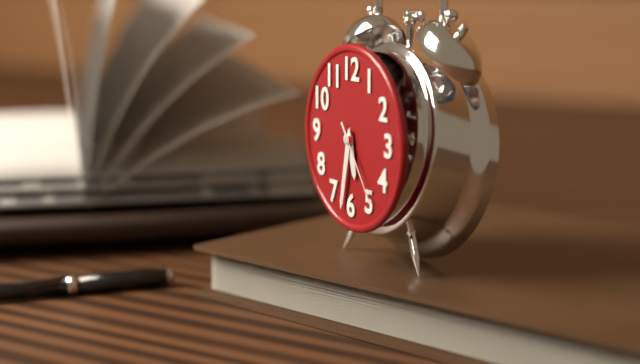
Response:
{"hour": 5, "minute": 32, "second": 24}
